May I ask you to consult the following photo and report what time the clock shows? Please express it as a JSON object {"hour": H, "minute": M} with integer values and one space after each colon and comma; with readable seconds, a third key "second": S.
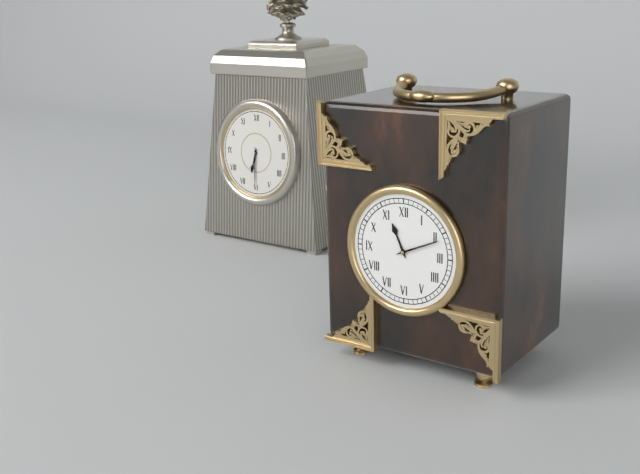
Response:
{"hour": 11, "minute": 11}
